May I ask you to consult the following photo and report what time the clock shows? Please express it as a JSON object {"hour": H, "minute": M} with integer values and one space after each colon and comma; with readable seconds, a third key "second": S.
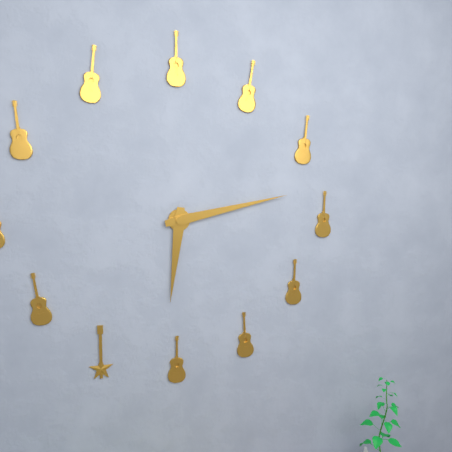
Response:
{"hour": 6, "minute": 13}
